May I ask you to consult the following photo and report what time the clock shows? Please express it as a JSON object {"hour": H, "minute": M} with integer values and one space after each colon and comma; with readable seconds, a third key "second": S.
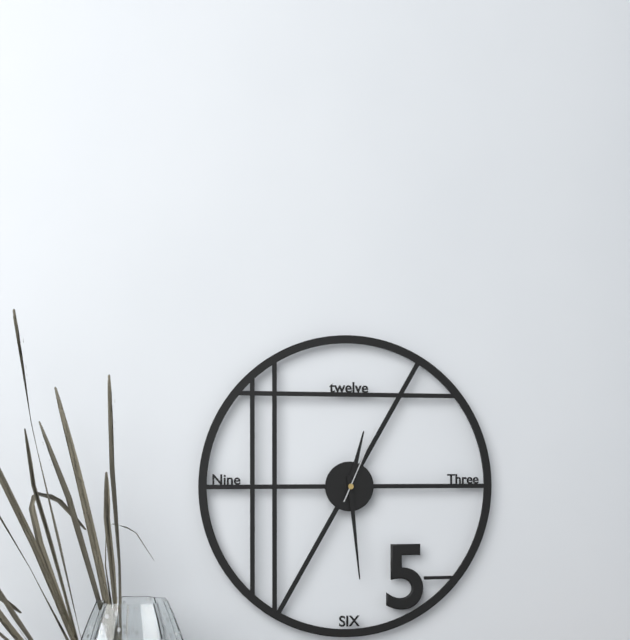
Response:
{"hour": 12, "minute": 29, "second": 4}
